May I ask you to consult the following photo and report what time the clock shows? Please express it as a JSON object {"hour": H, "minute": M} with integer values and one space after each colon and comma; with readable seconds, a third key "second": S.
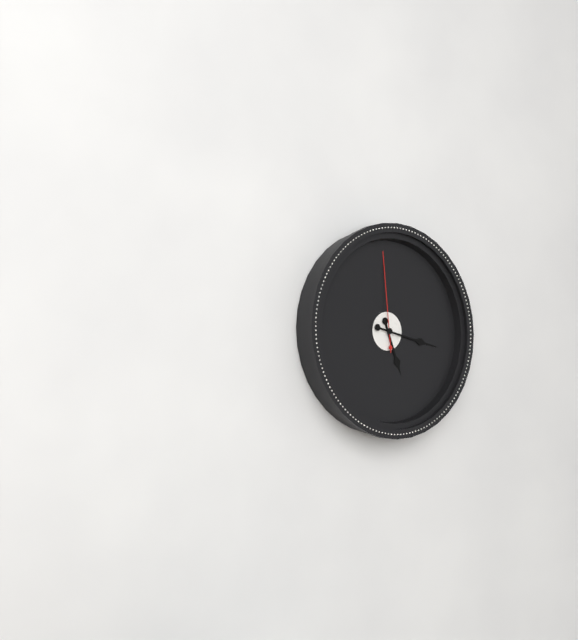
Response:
{"hour": 5, "minute": 17, "second": 59}
